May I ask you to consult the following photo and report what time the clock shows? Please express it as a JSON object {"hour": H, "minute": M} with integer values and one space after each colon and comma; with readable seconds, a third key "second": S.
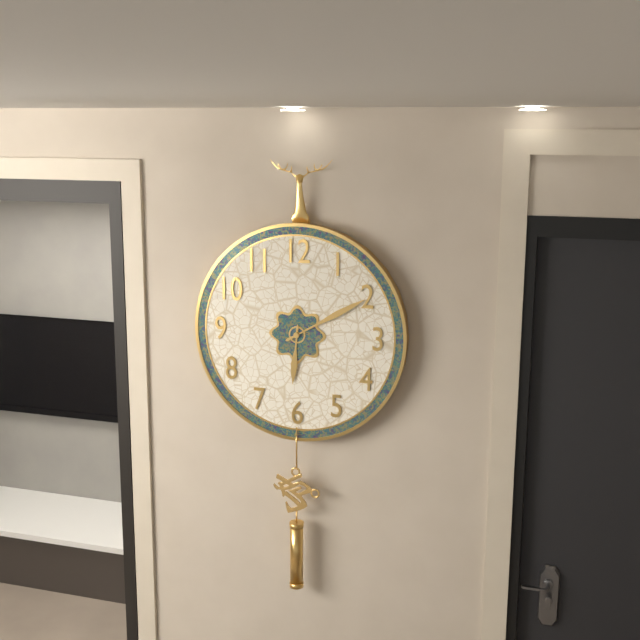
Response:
{"hour": 6, "minute": 10}
